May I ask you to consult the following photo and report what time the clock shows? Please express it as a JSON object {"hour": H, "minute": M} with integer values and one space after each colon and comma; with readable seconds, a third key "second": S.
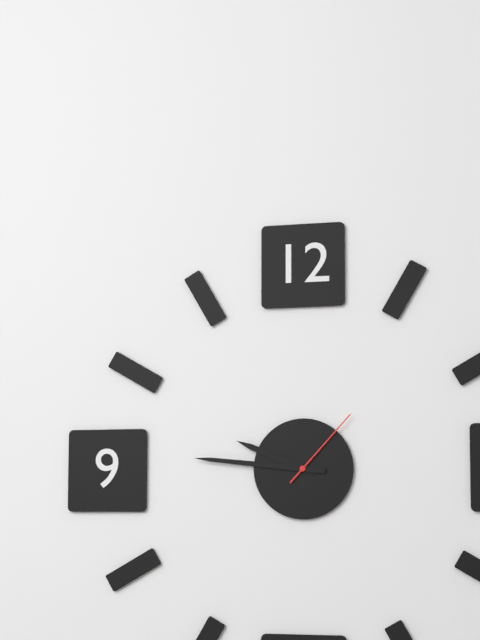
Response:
{"hour": 9, "minute": 46, "second": 7}
